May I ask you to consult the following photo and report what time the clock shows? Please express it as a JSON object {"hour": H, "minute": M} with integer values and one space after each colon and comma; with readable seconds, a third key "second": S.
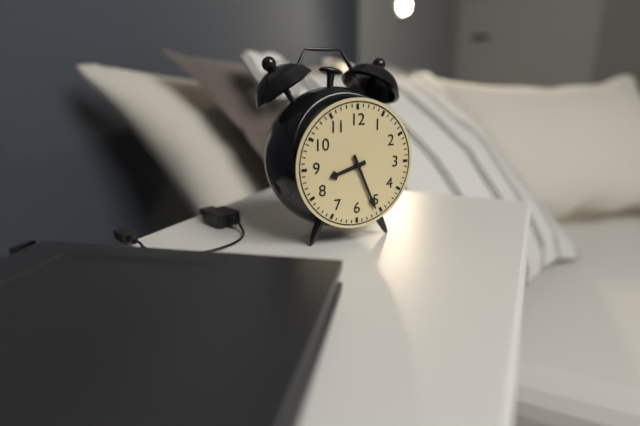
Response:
{"hour": 8, "minute": 26}
